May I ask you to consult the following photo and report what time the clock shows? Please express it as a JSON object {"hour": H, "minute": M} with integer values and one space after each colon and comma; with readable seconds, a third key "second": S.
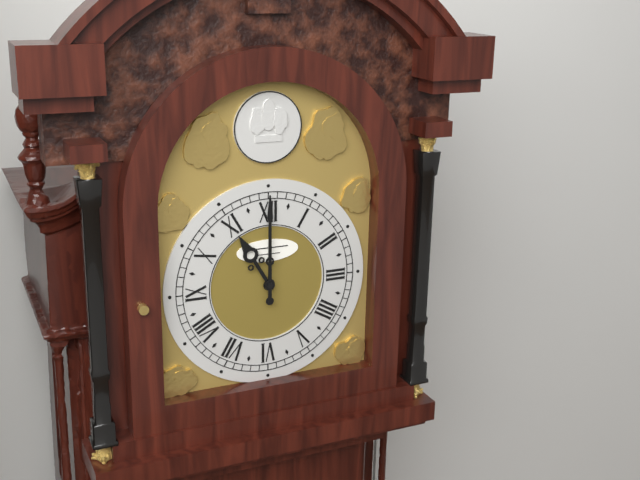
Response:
{"hour": 11, "minute": 0}
